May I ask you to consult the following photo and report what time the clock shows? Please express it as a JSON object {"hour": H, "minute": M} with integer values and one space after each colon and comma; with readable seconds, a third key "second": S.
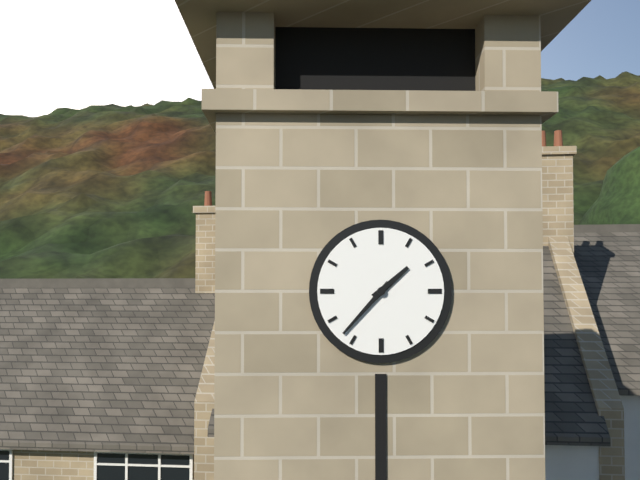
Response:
{"hour": 1, "minute": 37}
